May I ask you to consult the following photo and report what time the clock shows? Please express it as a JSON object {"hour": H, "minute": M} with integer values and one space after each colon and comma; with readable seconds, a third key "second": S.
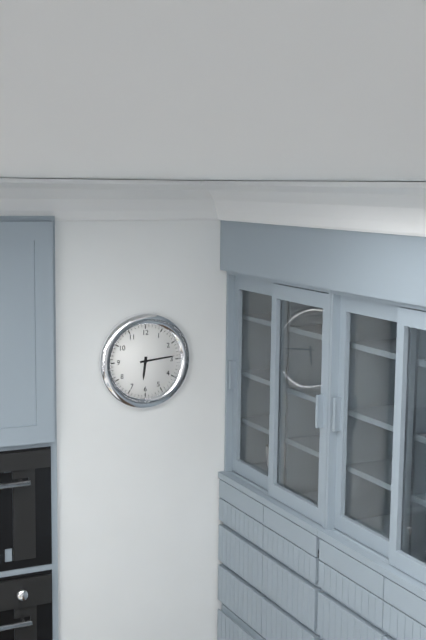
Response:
{"hour": 6, "minute": 14}
